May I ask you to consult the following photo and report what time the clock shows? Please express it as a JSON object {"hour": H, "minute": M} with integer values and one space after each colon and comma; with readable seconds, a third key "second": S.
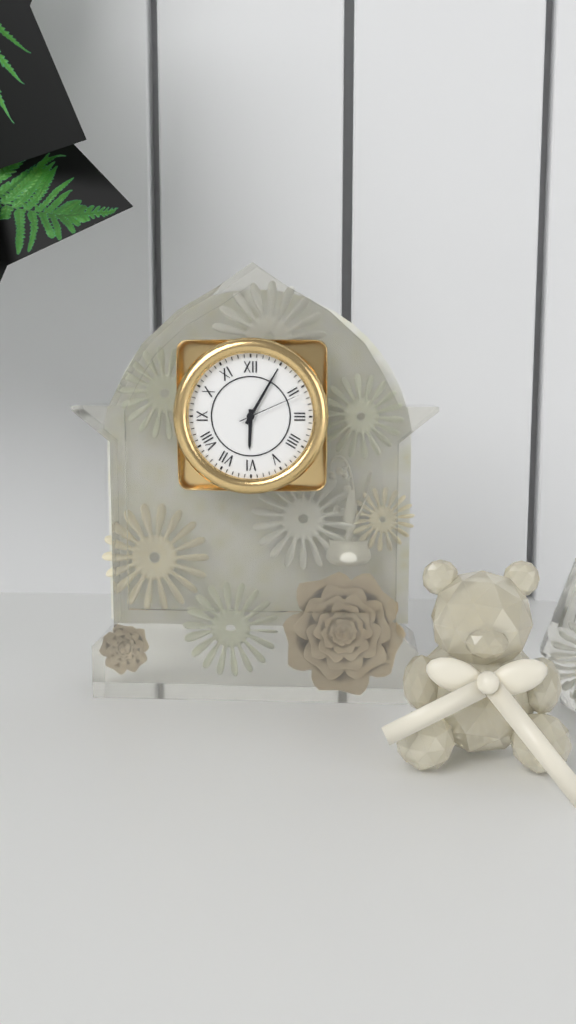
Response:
{"hour": 6, "minute": 5, "second": 11}
